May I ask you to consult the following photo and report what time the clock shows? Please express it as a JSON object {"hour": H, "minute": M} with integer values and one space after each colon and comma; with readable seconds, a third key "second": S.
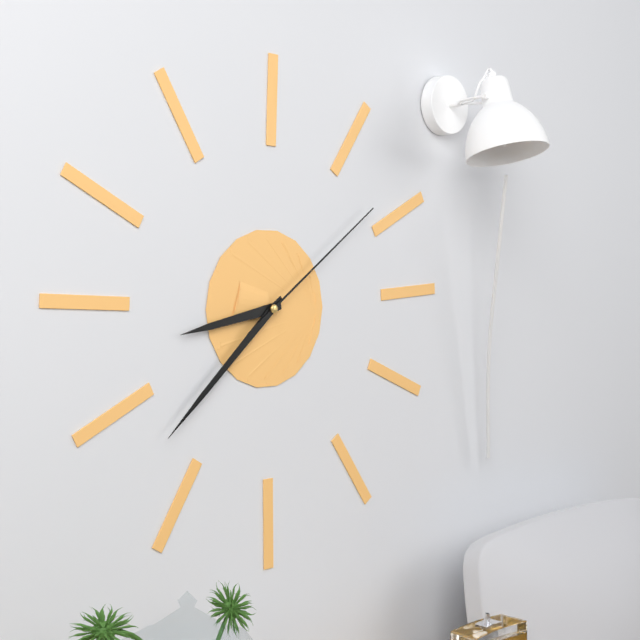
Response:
{"hour": 8, "minute": 38, "second": 9}
